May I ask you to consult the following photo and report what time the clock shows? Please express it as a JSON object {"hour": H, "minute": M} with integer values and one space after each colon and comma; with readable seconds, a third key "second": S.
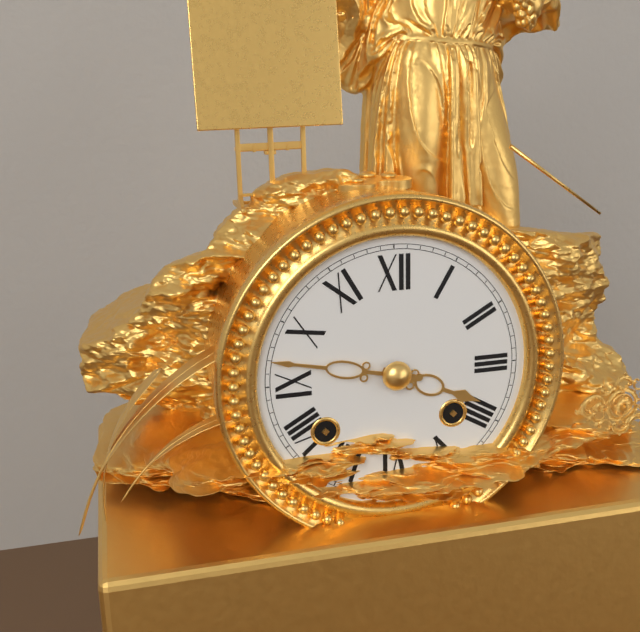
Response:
{"hour": 3, "minute": 47}
